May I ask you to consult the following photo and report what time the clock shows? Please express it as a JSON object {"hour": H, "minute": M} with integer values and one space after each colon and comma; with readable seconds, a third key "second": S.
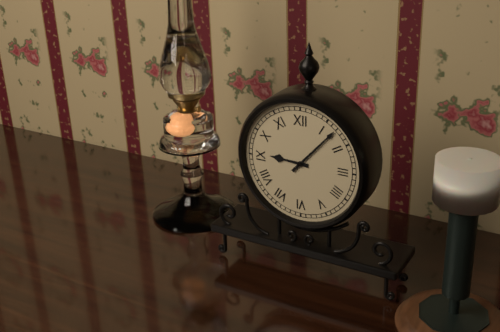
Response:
{"hour": 9, "minute": 7}
